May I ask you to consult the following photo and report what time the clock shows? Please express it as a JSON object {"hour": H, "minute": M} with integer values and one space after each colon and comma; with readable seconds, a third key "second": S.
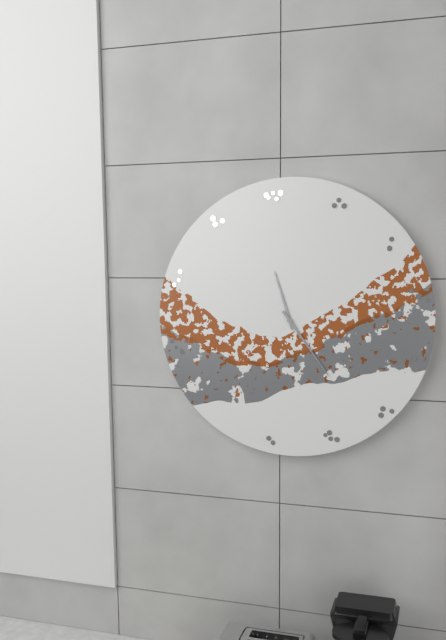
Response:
{"hour": 11, "minute": 24}
